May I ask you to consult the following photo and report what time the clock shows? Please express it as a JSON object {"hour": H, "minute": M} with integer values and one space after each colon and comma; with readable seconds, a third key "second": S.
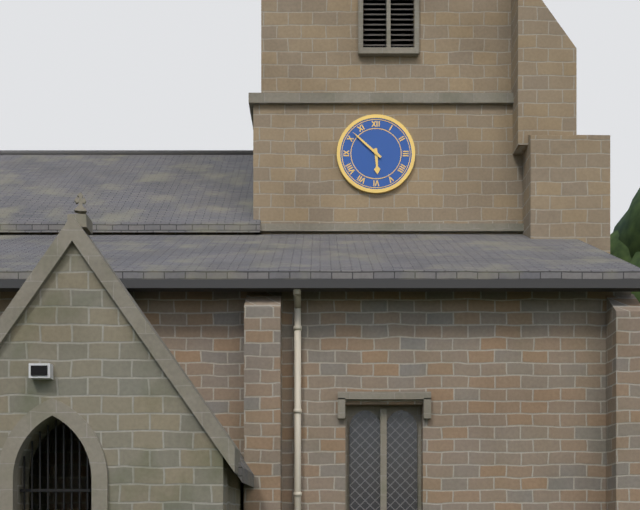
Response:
{"hour": 5, "minute": 52}
